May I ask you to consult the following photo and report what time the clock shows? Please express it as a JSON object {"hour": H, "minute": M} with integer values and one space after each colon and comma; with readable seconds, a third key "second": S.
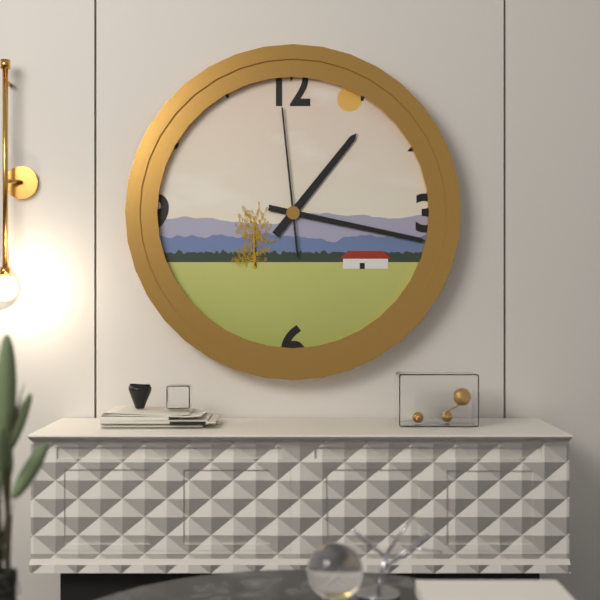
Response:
{"hour": 1, "minute": 17, "second": 59}
